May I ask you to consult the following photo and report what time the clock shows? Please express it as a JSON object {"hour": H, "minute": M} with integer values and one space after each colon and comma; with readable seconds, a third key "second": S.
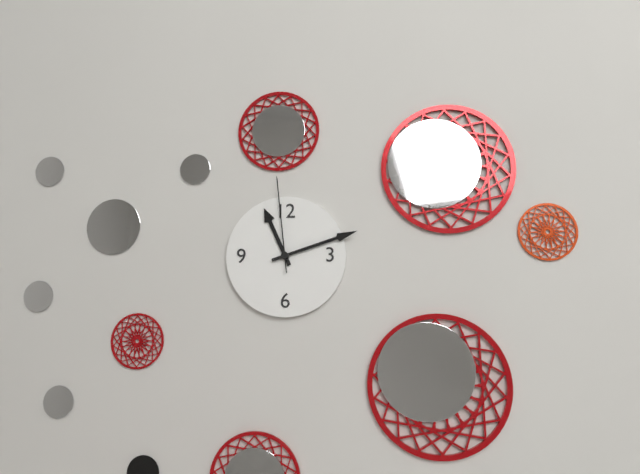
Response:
{"hour": 11, "minute": 12, "second": 59}
